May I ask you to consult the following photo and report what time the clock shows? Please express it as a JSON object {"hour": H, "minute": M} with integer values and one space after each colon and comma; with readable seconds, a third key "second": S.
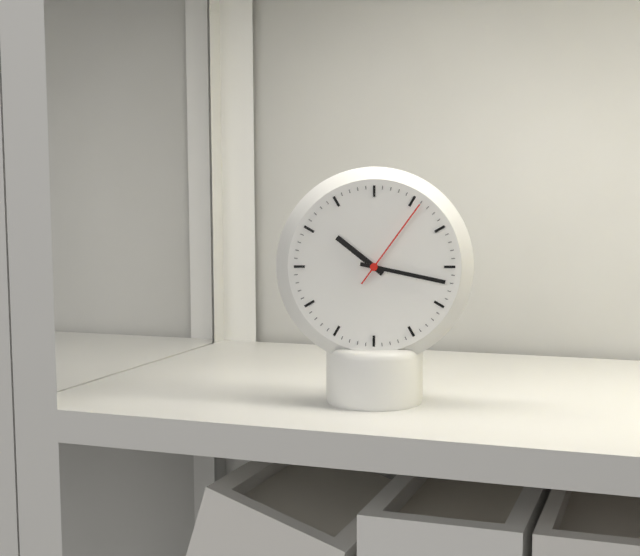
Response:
{"hour": 10, "minute": 17, "second": 6}
